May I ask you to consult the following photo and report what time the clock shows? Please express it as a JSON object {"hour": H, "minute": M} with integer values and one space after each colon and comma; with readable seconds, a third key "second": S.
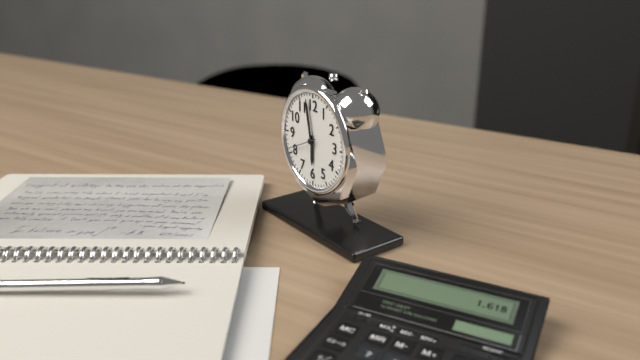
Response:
{"hour": 5, "minute": 58}
